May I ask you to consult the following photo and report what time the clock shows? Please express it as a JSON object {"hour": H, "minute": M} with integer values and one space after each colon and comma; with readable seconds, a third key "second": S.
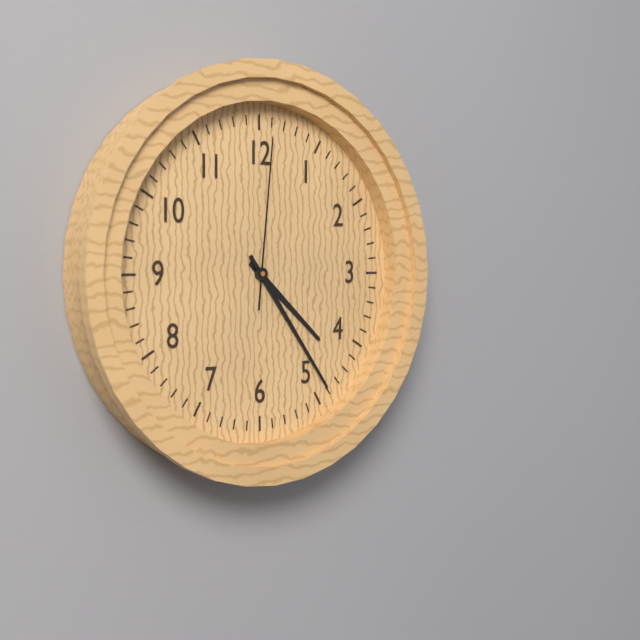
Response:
{"hour": 4, "minute": 24, "second": 1}
